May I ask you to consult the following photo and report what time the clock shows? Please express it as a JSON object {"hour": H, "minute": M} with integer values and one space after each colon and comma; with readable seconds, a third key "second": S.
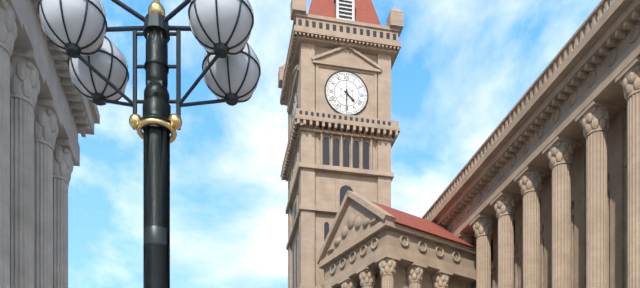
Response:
{"hour": 4, "minute": 30}
